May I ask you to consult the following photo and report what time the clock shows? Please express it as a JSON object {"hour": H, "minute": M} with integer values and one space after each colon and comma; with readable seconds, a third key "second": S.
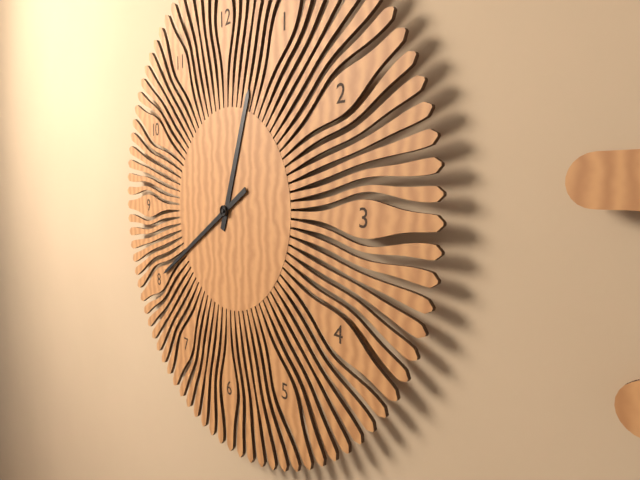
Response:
{"hour": 12, "minute": 40}
